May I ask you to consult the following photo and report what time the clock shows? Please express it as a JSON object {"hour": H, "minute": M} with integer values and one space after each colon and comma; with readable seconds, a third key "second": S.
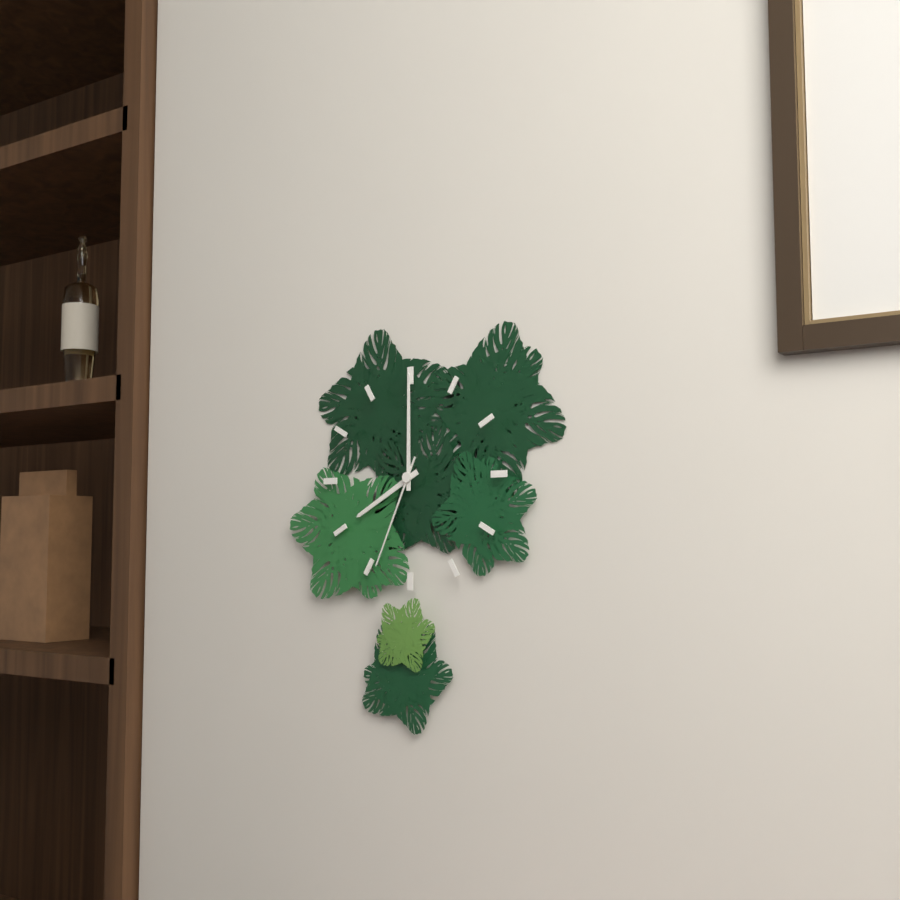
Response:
{"hour": 8, "minute": 0, "second": 34}
